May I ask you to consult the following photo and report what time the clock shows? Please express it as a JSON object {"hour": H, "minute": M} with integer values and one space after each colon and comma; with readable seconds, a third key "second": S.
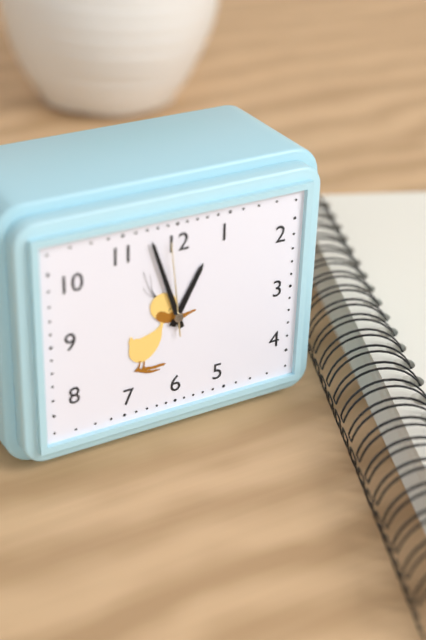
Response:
{"hour": 12, "minute": 57, "second": 59}
